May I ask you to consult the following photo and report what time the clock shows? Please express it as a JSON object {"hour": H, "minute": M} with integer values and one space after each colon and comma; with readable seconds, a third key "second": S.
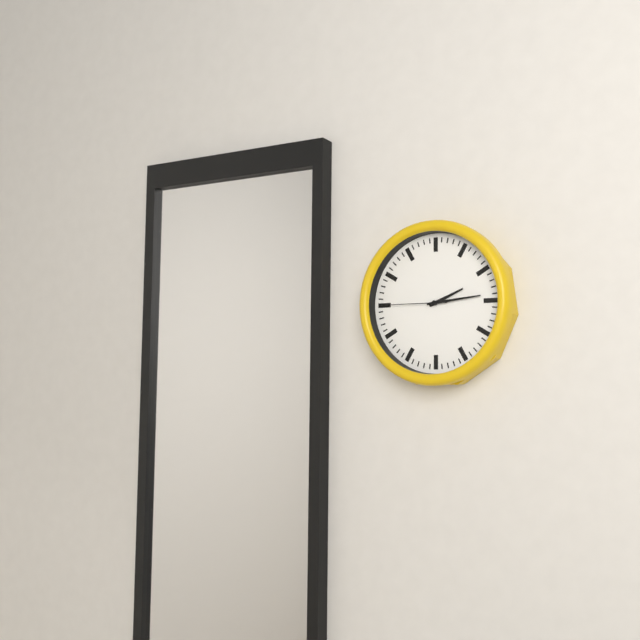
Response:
{"hour": 2, "minute": 14, "second": 45}
